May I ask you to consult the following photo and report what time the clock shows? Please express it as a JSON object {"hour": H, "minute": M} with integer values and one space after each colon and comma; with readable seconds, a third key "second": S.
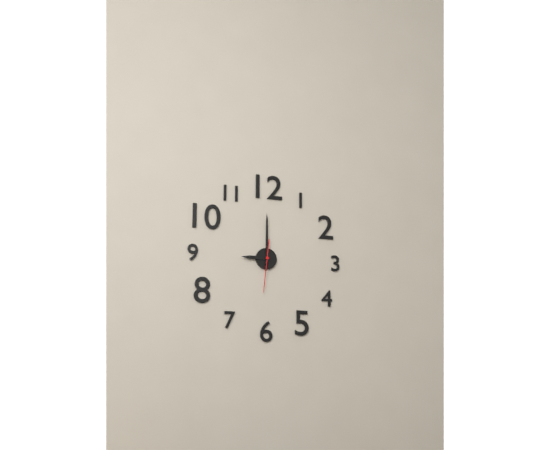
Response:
{"hour": 9, "minute": 0}
